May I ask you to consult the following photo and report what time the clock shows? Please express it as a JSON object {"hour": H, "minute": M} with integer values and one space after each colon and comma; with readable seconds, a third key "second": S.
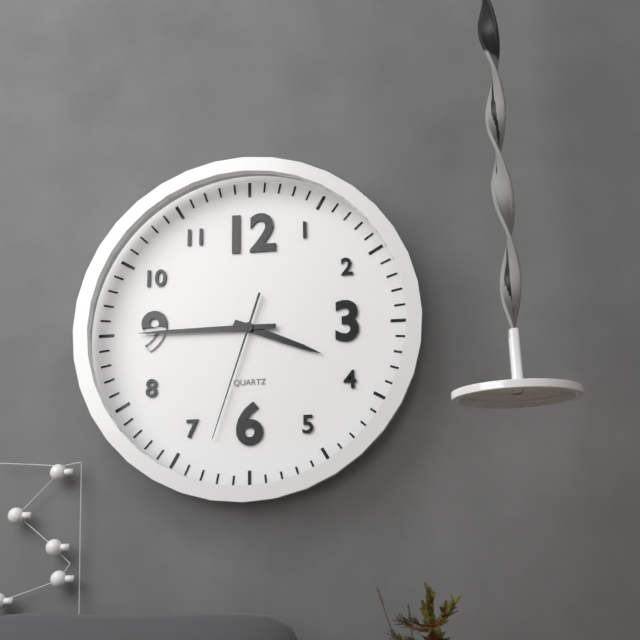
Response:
{"hour": 3, "minute": 45, "second": 33}
